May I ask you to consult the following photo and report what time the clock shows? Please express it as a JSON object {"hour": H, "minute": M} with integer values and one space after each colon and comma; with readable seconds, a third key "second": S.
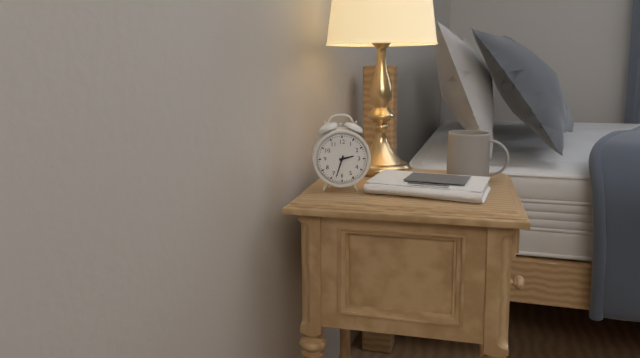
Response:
{"hour": 2, "minute": 33}
